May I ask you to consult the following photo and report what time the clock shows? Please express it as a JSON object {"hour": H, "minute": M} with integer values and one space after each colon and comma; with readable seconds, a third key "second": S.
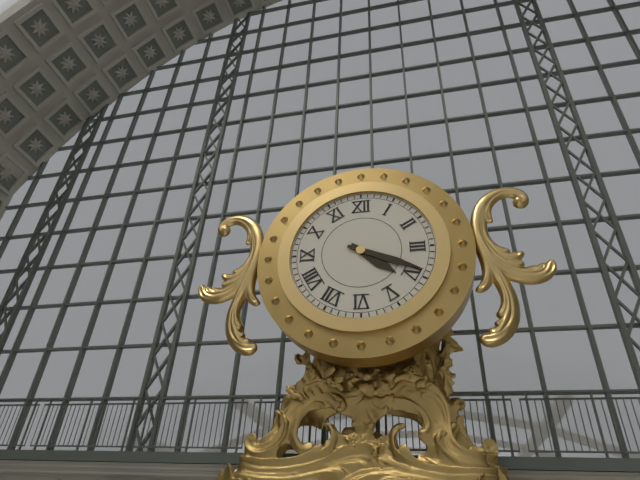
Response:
{"hour": 4, "minute": 19}
